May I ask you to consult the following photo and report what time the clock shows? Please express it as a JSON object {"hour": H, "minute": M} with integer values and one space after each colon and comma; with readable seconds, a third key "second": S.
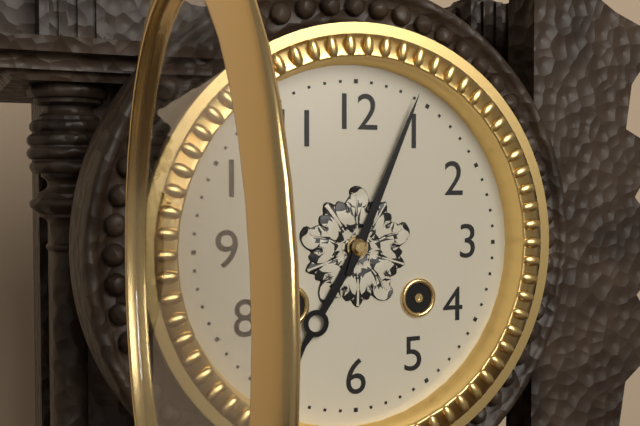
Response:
{"hour": 7, "minute": 4}
